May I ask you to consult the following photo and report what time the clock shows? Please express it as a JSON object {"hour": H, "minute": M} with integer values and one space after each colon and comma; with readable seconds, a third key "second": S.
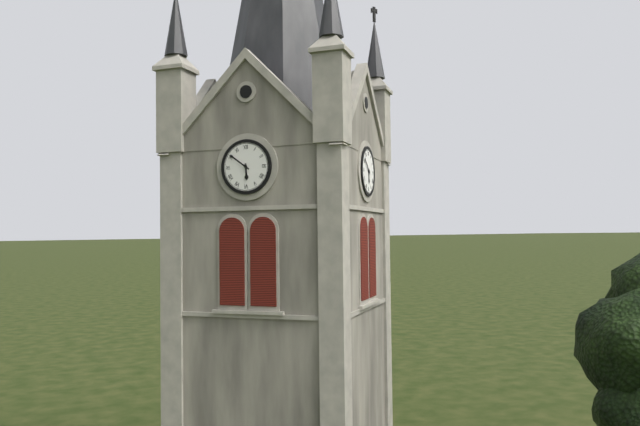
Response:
{"hour": 5, "minute": 51}
